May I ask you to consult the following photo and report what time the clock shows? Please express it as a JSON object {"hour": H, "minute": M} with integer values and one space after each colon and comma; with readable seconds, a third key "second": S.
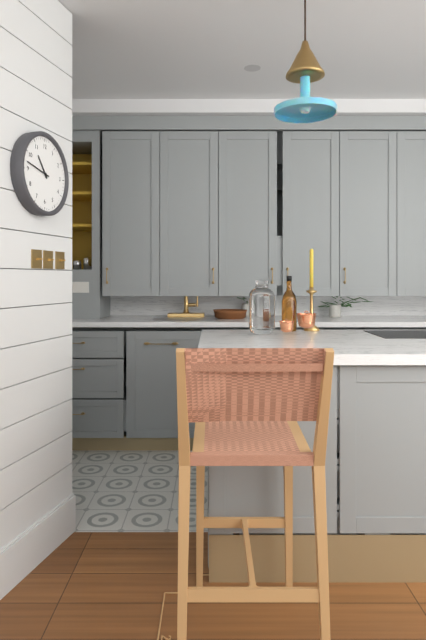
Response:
{"hour": 10, "minute": 47}
